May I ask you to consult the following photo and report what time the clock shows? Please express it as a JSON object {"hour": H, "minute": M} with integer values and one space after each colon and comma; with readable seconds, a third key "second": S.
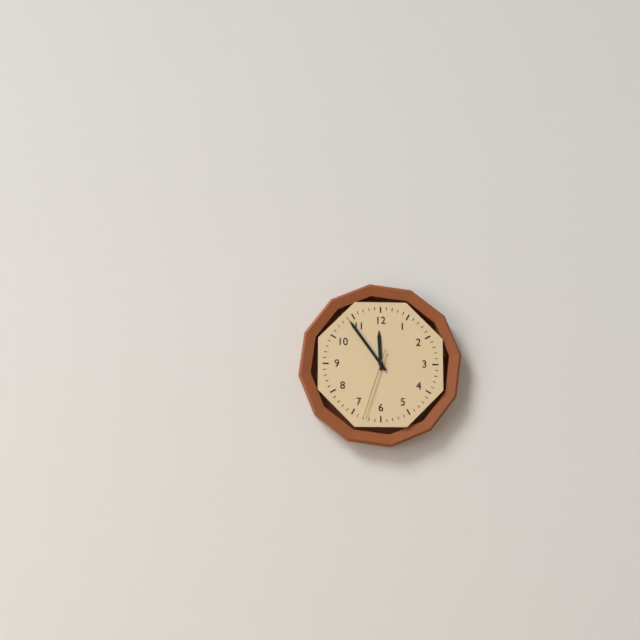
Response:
{"hour": 11, "minute": 54, "second": 33}
